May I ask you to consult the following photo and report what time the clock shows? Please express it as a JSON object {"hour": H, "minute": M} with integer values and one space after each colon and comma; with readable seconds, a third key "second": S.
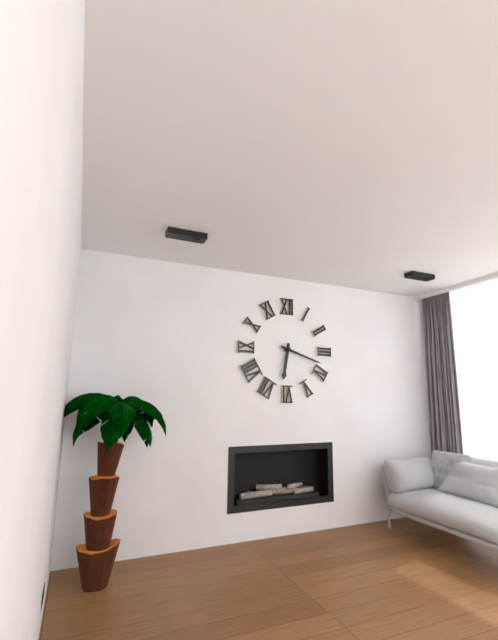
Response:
{"hour": 6, "minute": 18}
